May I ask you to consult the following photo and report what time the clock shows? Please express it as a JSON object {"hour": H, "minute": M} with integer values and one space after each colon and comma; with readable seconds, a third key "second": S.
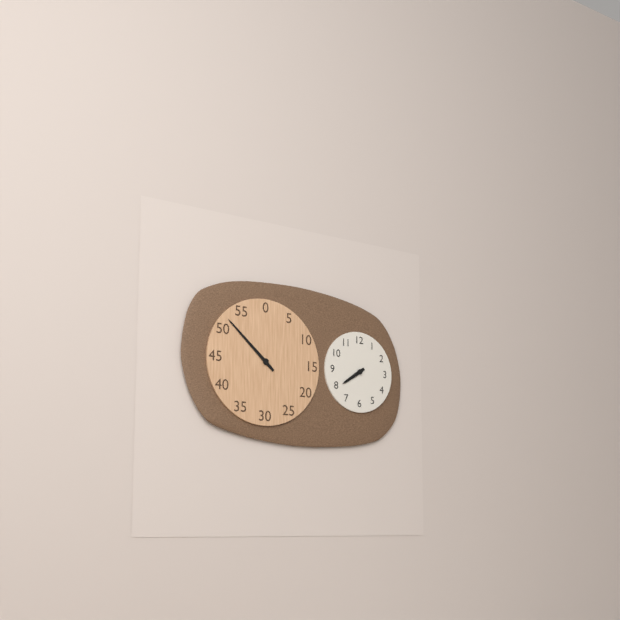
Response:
{"hour": 7, "minute": 52}
